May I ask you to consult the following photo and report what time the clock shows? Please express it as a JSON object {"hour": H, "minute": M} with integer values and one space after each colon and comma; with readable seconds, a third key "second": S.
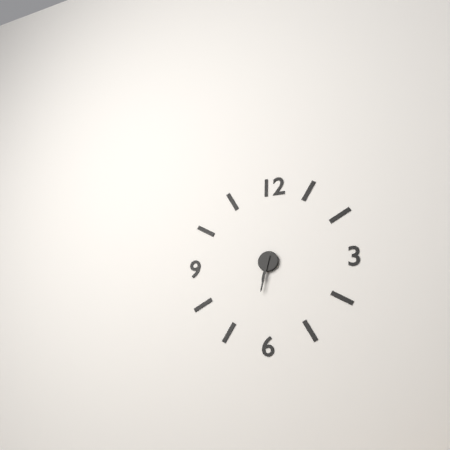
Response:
{"hour": 6, "minute": 32}
